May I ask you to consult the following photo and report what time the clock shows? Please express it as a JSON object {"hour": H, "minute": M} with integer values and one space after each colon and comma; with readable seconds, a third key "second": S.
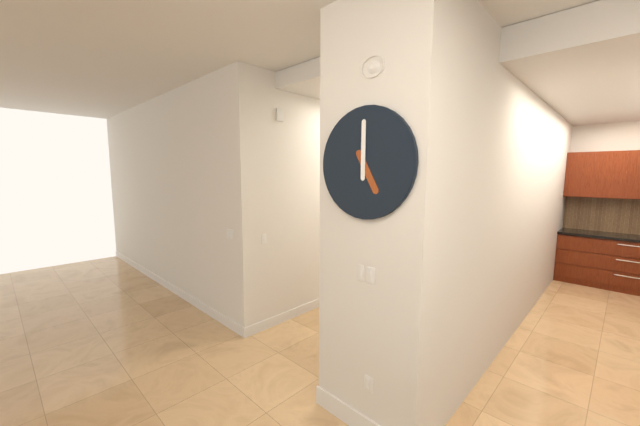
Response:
{"hour": 5, "minute": 0}
